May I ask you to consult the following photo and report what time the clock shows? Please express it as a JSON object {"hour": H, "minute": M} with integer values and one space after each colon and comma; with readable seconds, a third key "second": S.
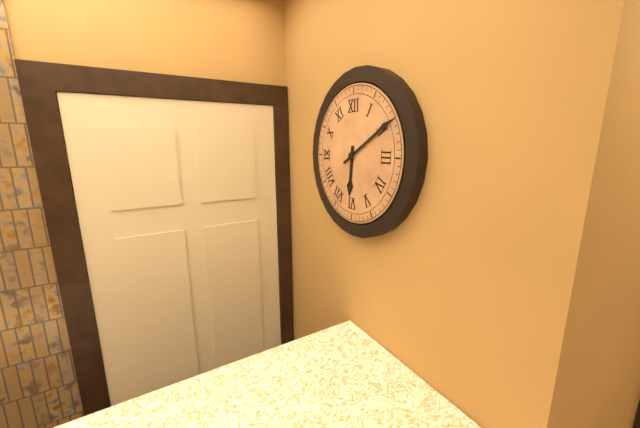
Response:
{"hour": 6, "minute": 10}
